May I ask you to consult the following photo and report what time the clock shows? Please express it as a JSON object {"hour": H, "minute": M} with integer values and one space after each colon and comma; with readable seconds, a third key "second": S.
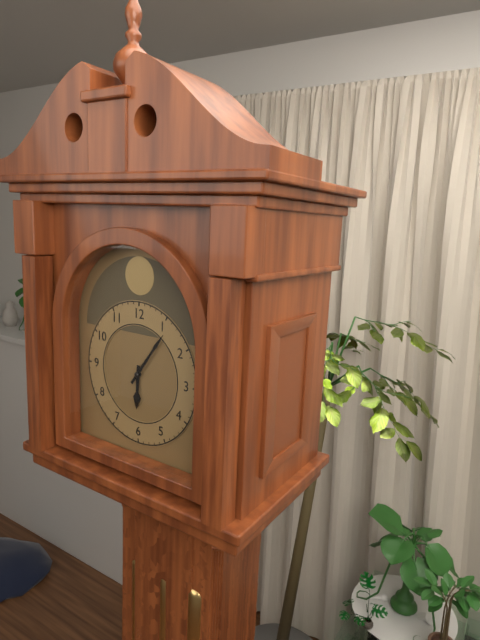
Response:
{"hour": 6, "minute": 6}
